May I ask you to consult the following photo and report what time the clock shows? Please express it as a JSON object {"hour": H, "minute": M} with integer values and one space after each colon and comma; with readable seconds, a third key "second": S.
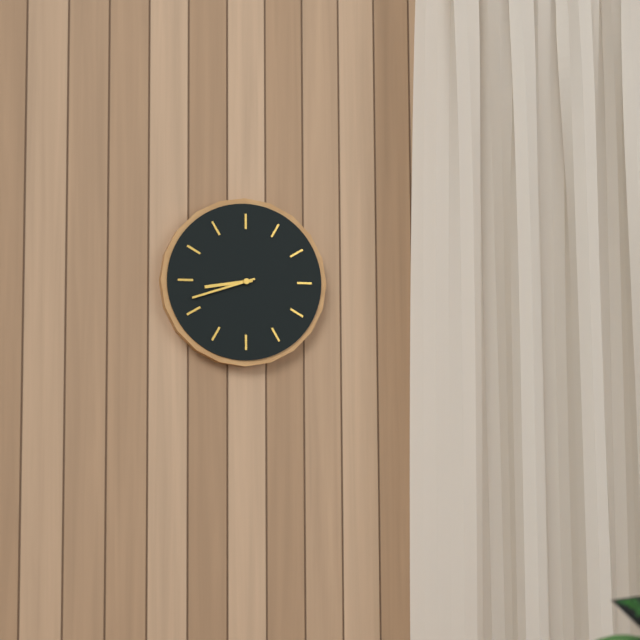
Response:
{"hour": 8, "minute": 42}
